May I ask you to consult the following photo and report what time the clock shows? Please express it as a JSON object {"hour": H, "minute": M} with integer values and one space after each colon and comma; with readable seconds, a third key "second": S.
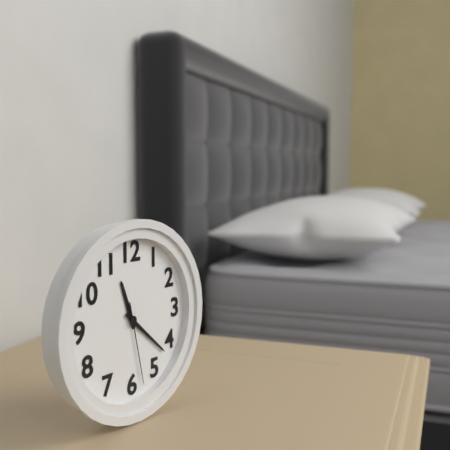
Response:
{"hour": 11, "minute": 22, "second": 28}
